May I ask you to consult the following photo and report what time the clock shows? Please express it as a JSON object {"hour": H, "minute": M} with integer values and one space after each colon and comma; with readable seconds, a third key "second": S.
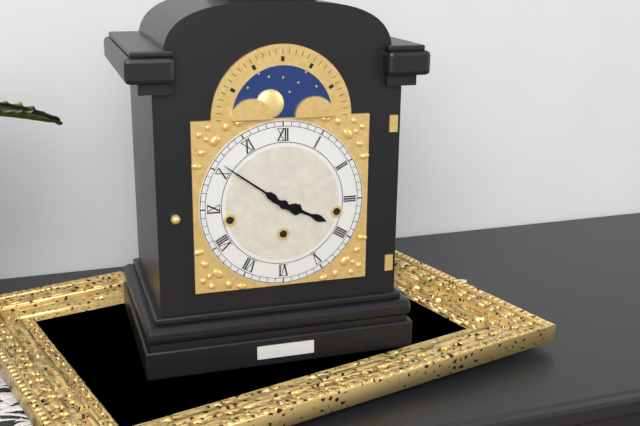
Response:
{"hour": 3, "minute": 51}
